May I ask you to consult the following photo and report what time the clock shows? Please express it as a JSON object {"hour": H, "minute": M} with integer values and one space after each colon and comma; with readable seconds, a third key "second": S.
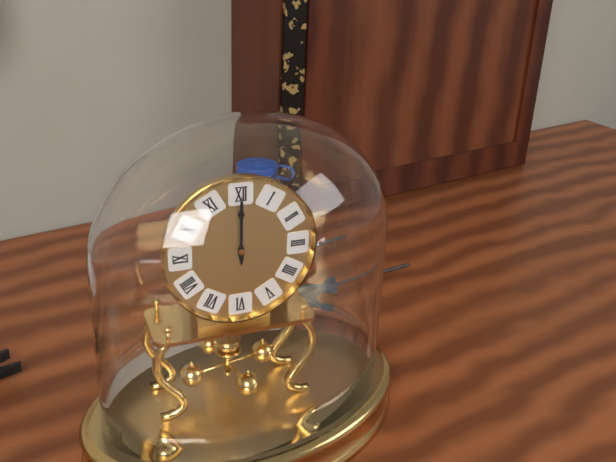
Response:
{"hour": 12, "minute": 0}
